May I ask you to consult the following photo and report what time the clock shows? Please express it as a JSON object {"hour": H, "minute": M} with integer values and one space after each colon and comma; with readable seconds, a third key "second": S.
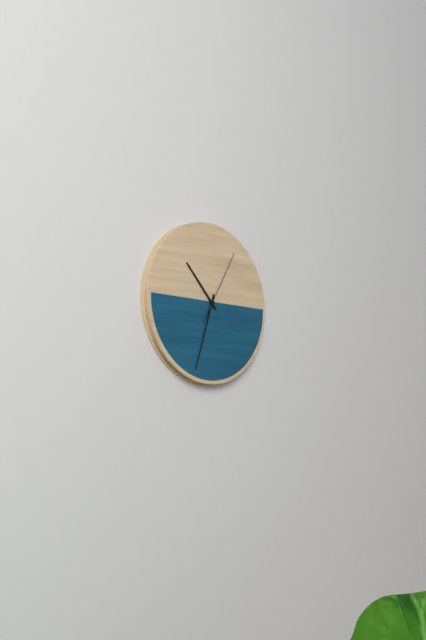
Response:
{"hour": 10, "minute": 33, "second": 5}
